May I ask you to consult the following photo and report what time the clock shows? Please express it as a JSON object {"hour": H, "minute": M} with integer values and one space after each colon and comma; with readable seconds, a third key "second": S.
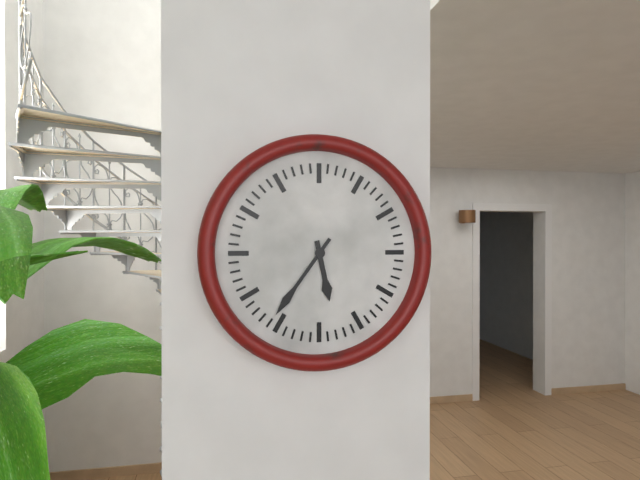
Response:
{"hour": 5, "minute": 36}
